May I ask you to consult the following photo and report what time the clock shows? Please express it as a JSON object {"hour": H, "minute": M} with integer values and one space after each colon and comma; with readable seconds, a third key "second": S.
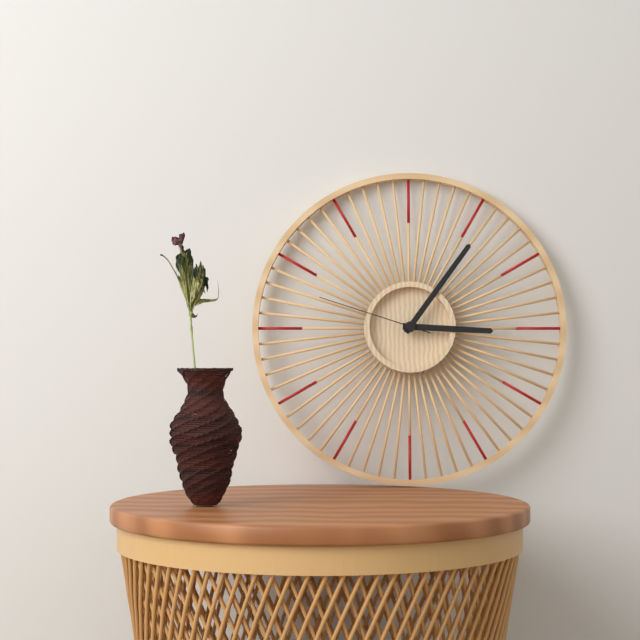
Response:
{"hour": 3, "minute": 6, "second": 48}
